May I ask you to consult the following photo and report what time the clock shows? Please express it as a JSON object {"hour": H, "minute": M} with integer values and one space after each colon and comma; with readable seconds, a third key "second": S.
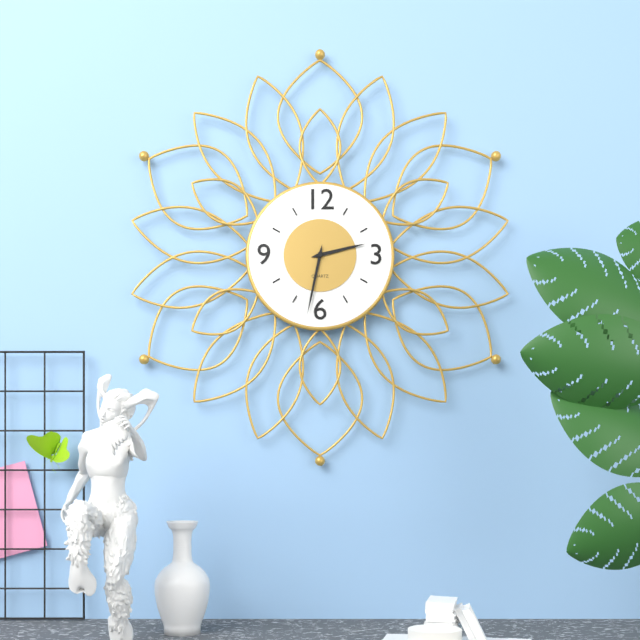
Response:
{"hour": 2, "minute": 32}
